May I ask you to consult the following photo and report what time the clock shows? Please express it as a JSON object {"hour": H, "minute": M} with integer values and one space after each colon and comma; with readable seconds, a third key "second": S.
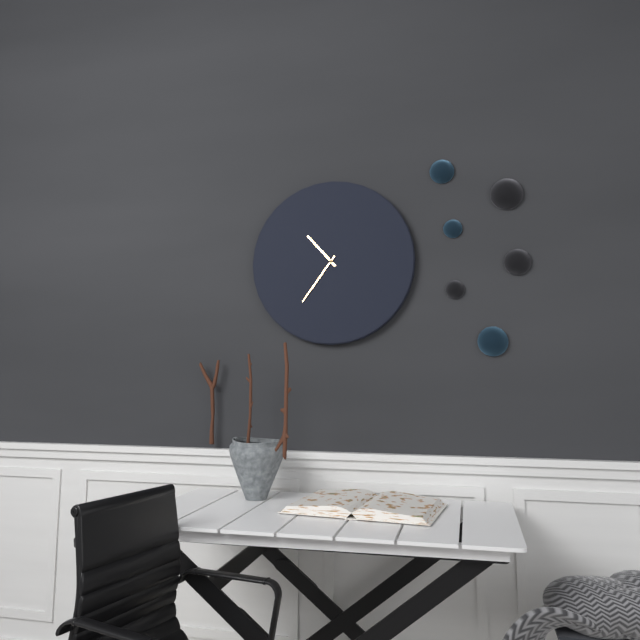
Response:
{"hour": 10, "minute": 36}
